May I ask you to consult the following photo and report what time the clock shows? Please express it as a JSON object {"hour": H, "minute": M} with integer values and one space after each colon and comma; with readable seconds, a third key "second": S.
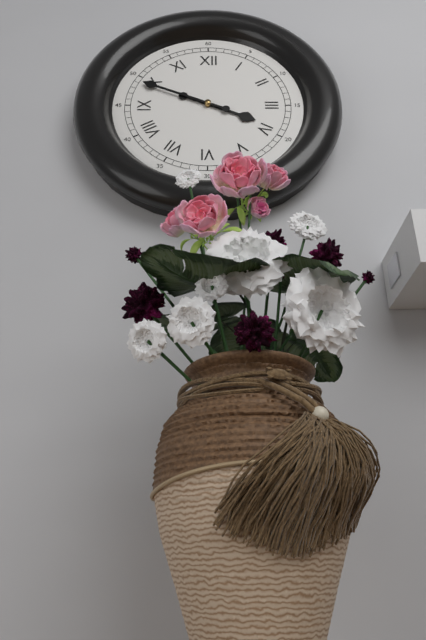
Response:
{"hour": 3, "minute": 49}
